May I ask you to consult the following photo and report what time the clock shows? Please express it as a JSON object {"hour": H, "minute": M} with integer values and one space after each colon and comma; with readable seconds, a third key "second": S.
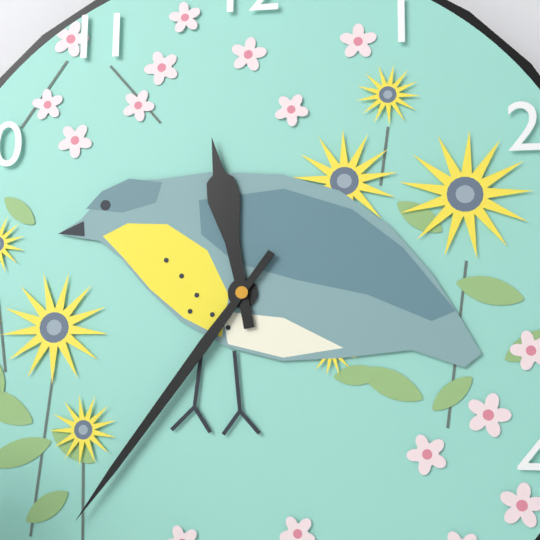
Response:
{"hour": 11, "minute": 36}
